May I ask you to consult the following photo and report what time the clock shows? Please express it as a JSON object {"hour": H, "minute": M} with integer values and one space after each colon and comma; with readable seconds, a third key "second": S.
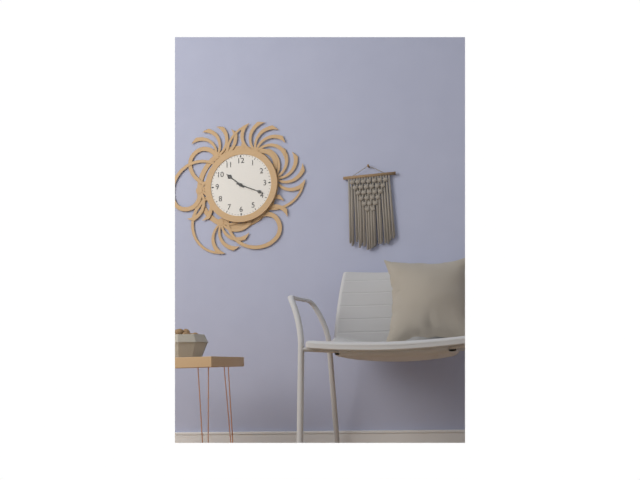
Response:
{"hour": 10, "minute": 19}
